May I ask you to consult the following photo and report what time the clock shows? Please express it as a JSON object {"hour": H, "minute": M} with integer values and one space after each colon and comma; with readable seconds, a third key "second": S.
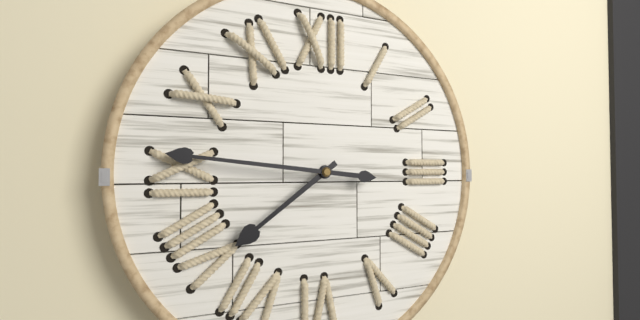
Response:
{"hour": 7, "minute": 46}
